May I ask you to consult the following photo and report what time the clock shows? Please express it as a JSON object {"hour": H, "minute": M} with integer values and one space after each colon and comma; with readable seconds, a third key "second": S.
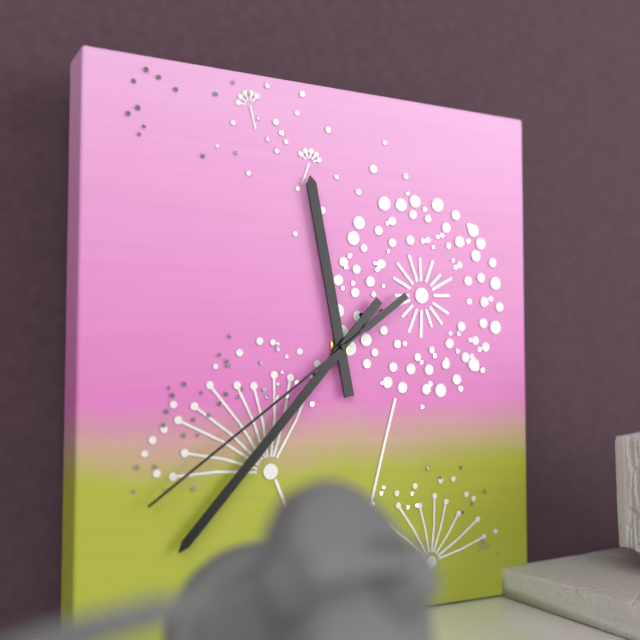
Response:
{"hour": 11, "minute": 37, "second": 39}
